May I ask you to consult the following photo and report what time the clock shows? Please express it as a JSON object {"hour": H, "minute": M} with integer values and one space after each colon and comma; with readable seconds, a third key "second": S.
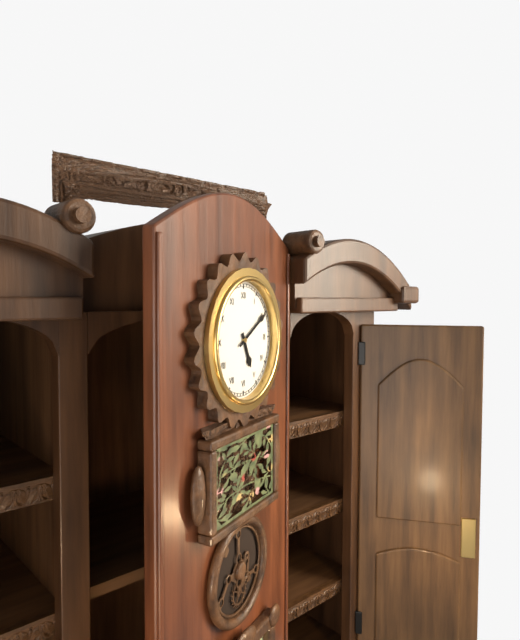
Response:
{"hour": 5, "minute": 10}
